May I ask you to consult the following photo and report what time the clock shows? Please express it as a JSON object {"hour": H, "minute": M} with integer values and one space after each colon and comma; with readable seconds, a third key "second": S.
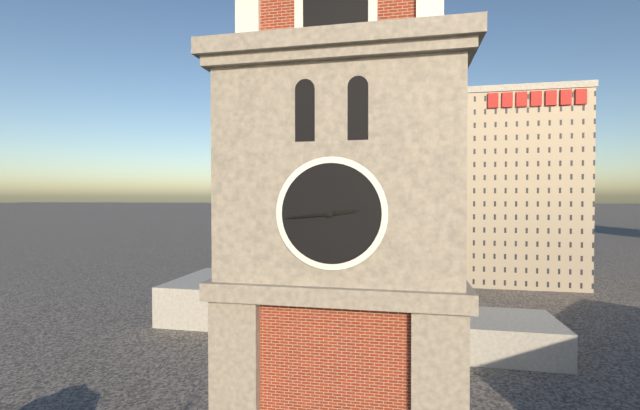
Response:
{"hour": 2, "minute": 44}
